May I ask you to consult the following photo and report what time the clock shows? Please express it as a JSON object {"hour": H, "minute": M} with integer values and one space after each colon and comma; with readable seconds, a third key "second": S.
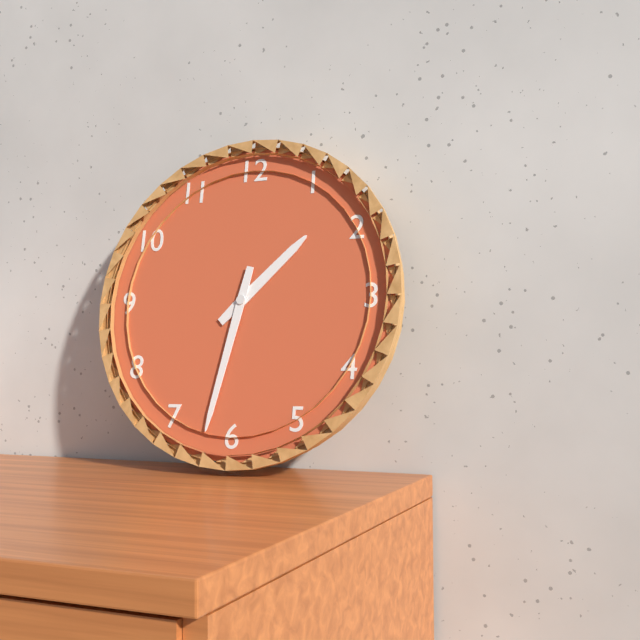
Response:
{"hour": 1, "minute": 32}
